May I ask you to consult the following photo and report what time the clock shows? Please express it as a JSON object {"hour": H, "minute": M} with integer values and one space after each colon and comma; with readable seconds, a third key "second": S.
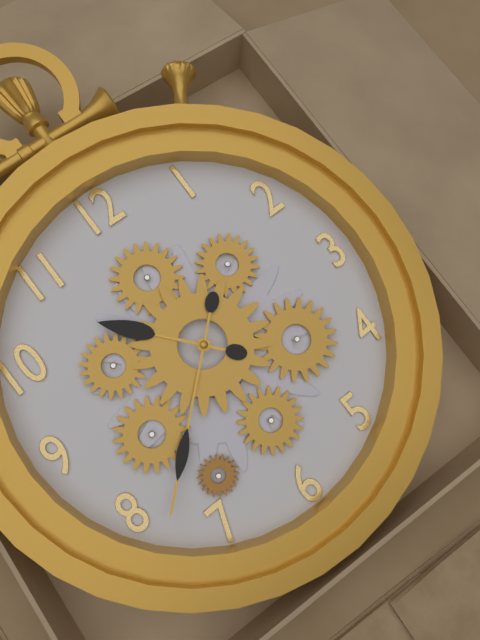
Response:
{"hour": 10, "minute": 38}
